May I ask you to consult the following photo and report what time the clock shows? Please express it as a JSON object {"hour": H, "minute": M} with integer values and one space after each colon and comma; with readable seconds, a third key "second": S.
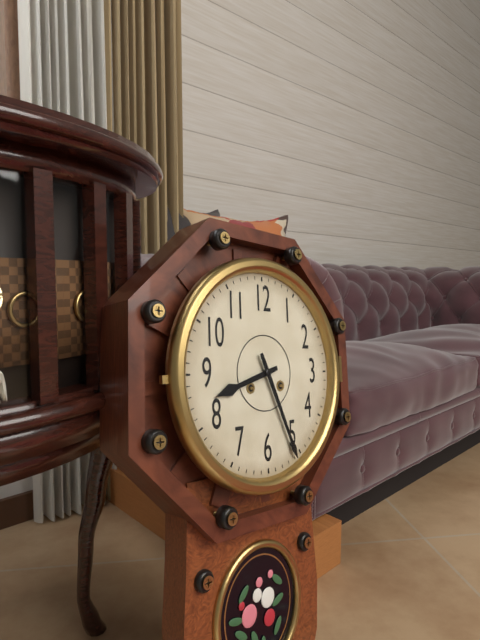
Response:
{"hour": 8, "minute": 26}
